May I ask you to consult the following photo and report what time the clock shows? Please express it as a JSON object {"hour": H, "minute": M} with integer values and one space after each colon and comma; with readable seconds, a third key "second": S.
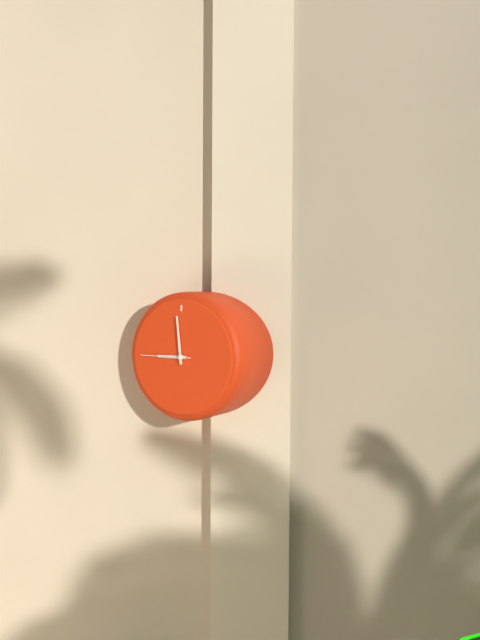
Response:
{"hour": 8, "minute": 59}
